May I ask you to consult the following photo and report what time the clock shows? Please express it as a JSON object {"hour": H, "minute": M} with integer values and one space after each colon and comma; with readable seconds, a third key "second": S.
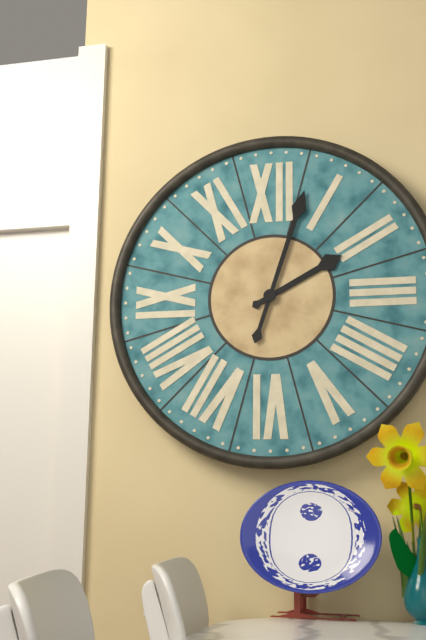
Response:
{"hour": 2, "minute": 3}
